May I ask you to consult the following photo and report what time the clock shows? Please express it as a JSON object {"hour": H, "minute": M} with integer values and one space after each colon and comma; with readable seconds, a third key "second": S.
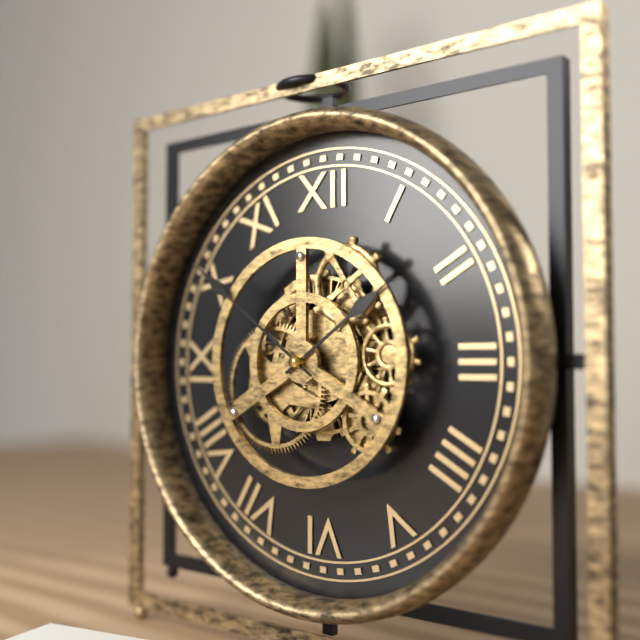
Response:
{"hour": 1, "minute": 51}
